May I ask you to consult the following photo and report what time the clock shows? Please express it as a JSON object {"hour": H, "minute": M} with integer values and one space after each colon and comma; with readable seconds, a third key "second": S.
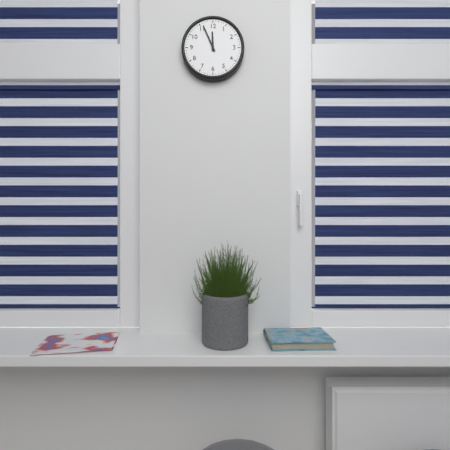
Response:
{"hour": 11, "minute": 56}
